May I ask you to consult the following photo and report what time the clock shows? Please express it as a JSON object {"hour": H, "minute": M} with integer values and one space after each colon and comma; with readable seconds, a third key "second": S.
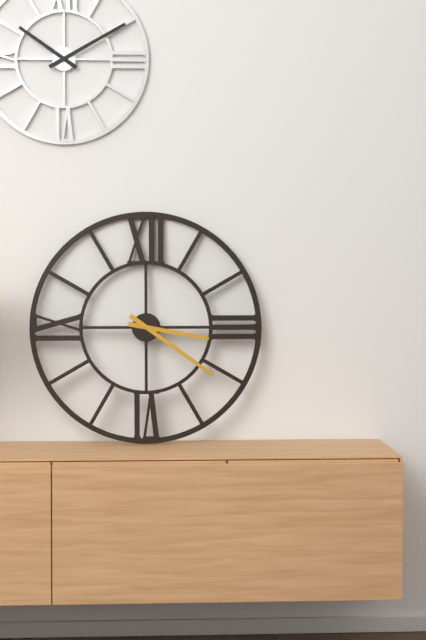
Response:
{"hour": 3, "minute": 21}
